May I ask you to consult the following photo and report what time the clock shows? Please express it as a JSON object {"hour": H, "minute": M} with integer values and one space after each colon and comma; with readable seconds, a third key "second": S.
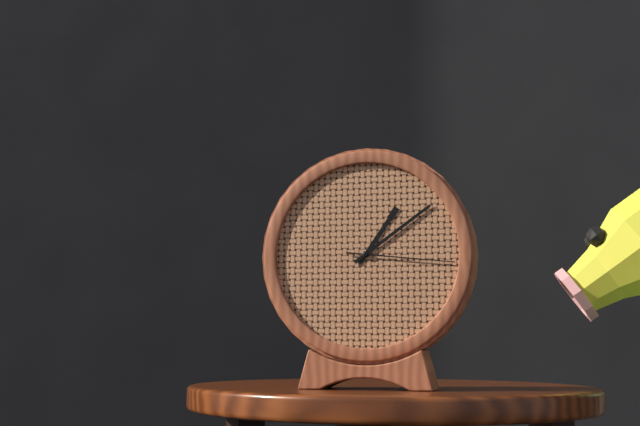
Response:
{"hour": 1, "minute": 9, "second": 16}
